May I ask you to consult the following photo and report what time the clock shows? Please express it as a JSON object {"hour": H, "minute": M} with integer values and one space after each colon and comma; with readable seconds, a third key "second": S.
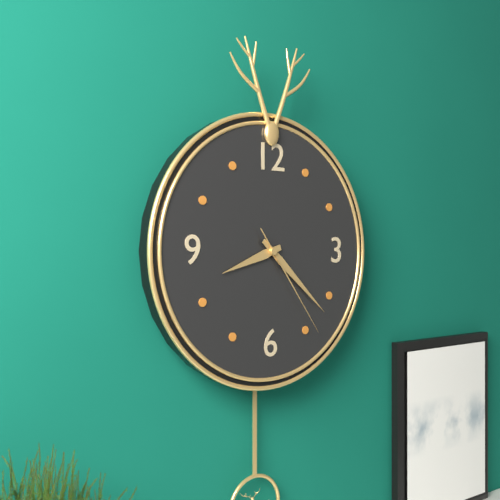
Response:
{"hour": 8, "minute": 22, "second": 24}
